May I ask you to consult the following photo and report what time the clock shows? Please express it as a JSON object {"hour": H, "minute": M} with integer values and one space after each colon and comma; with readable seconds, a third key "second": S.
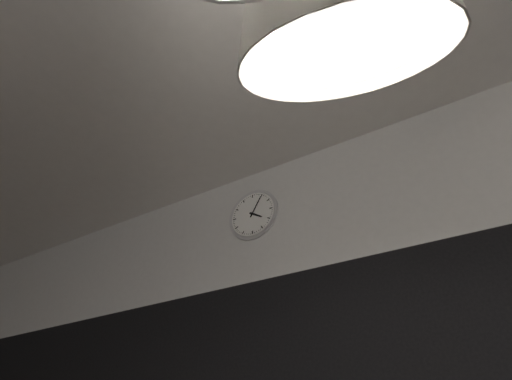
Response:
{"hour": 4, "minute": 5}
